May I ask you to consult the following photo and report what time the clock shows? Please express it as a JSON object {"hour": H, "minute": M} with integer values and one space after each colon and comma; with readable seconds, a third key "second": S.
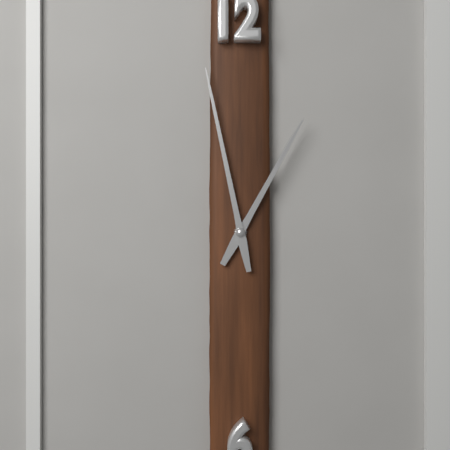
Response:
{"hour": 12, "minute": 58}
